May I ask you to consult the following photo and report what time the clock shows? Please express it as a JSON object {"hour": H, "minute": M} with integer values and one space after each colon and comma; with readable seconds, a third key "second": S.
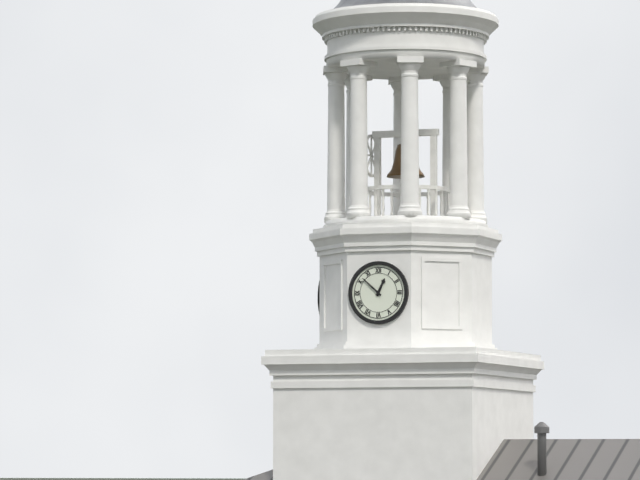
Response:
{"hour": 12, "minute": 52}
